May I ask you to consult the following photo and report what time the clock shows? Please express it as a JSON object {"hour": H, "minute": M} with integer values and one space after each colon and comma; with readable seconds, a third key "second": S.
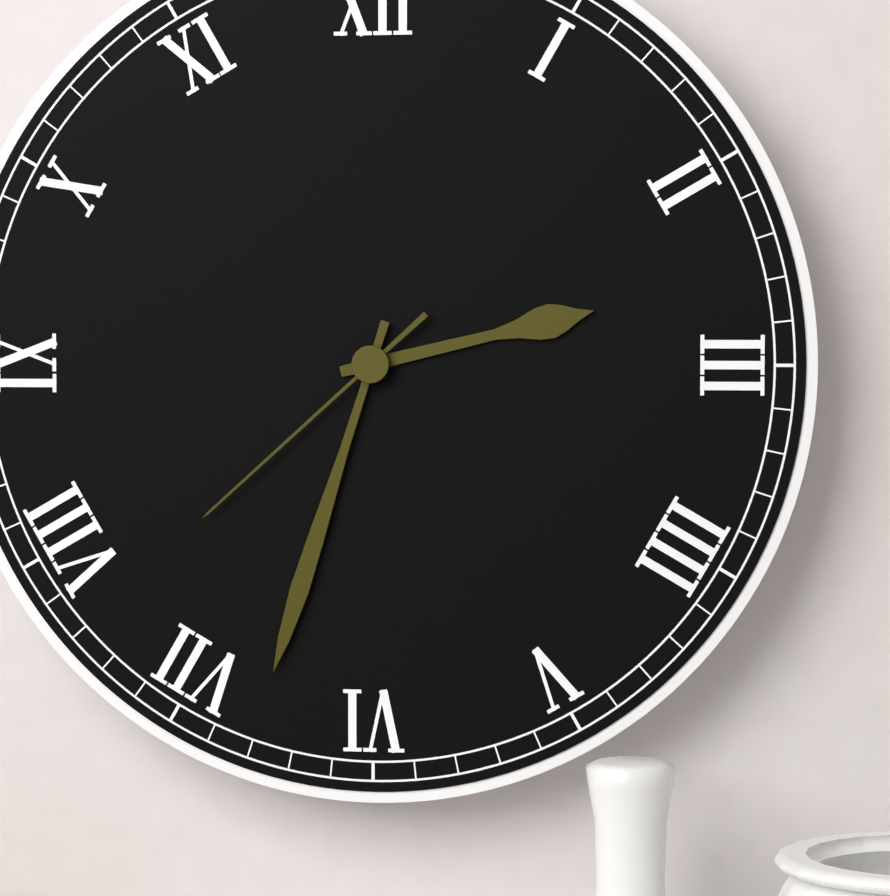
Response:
{"hour": 2, "minute": 33, "second": 38}
